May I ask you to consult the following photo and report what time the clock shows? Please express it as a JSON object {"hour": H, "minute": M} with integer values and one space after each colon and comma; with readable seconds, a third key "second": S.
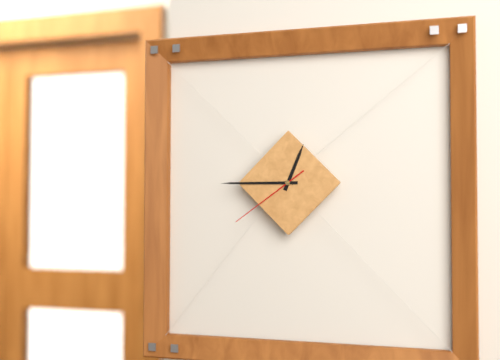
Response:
{"hour": 12, "minute": 45, "second": 39}
